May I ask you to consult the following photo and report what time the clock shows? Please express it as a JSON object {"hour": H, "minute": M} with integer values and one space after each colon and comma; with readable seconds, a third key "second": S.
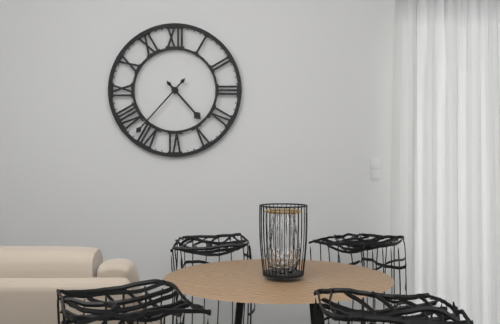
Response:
{"hour": 4, "minute": 37}
